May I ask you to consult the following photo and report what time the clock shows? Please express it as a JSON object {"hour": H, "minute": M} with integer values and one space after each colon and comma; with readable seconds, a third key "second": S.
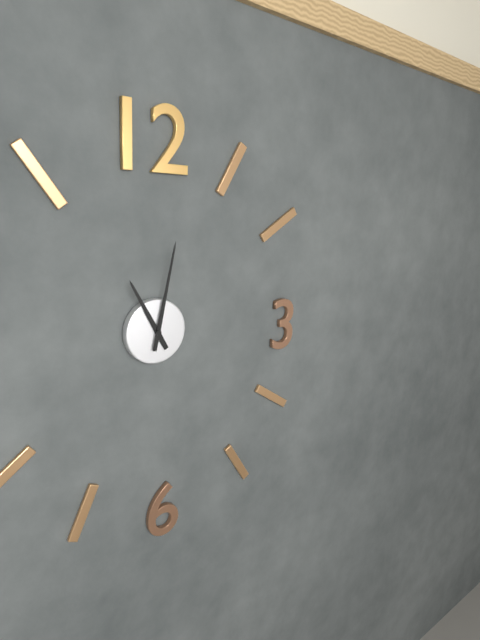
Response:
{"hour": 11, "minute": 2}
